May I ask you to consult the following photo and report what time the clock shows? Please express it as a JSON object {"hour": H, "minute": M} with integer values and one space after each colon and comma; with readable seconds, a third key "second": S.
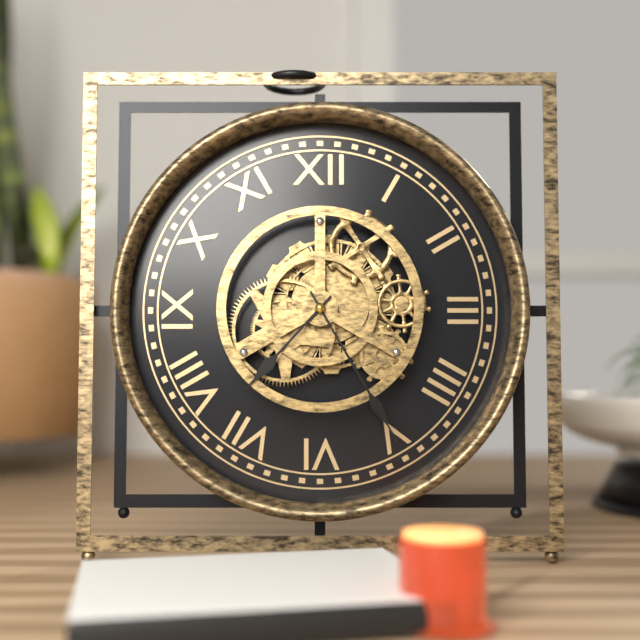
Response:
{"hour": 7, "minute": 25}
